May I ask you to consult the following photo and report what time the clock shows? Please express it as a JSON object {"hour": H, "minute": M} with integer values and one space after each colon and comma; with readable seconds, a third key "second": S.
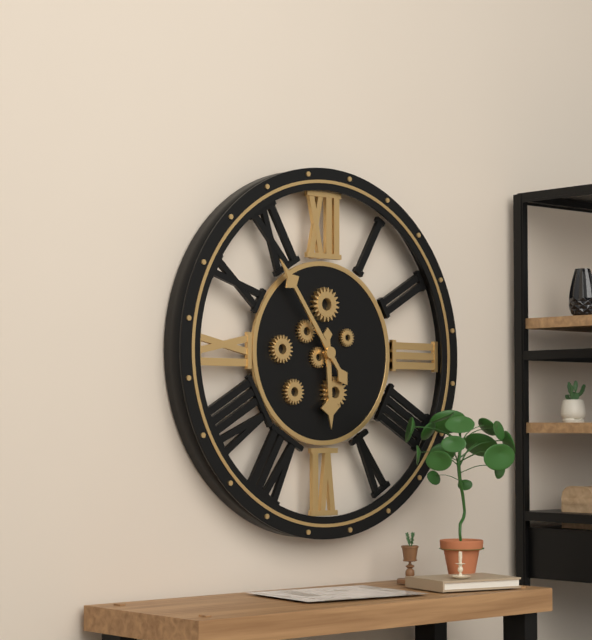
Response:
{"hour": 5, "minute": 54}
